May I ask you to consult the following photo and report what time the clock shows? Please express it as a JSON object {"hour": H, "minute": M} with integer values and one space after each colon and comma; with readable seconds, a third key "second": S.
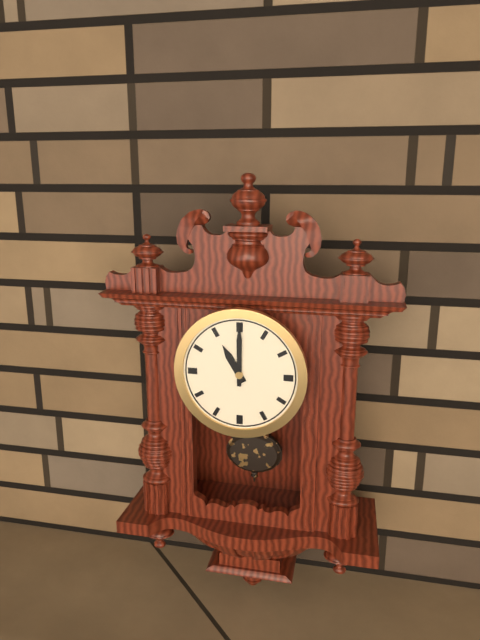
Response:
{"hour": 11, "minute": 0}
